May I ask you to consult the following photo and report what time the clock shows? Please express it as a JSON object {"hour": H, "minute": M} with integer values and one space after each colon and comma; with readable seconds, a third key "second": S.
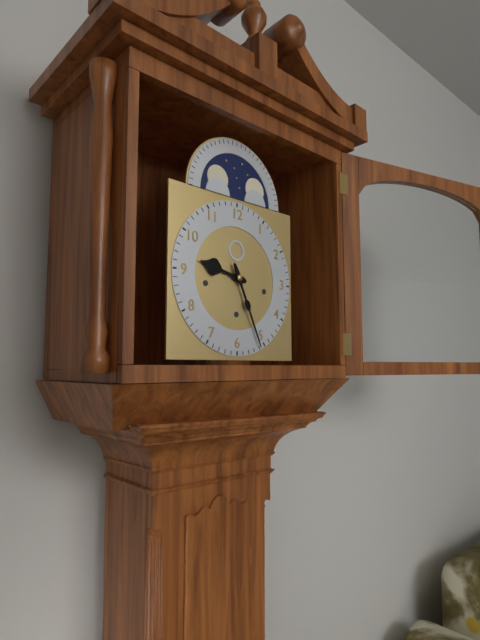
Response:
{"hour": 9, "minute": 26}
